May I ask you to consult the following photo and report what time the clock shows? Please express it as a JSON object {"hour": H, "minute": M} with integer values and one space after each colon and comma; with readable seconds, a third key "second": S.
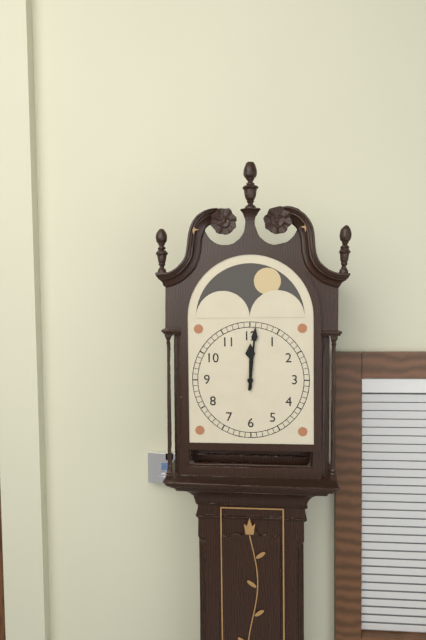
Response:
{"hour": 12, "minute": 1}
